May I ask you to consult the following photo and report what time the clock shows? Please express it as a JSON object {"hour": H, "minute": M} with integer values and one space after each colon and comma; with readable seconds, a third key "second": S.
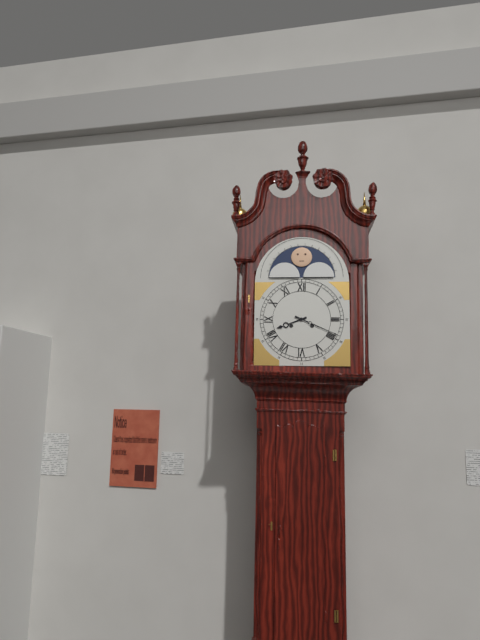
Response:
{"hour": 8, "minute": 19}
